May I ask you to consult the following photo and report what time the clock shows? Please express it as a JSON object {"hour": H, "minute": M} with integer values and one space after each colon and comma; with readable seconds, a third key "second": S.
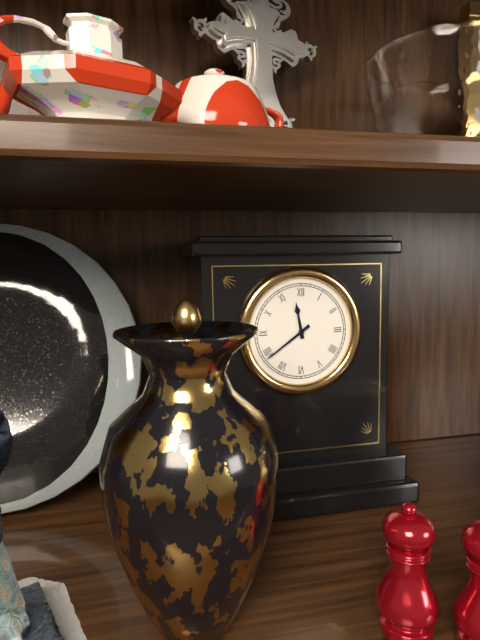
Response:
{"hour": 11, "minute": 39}
